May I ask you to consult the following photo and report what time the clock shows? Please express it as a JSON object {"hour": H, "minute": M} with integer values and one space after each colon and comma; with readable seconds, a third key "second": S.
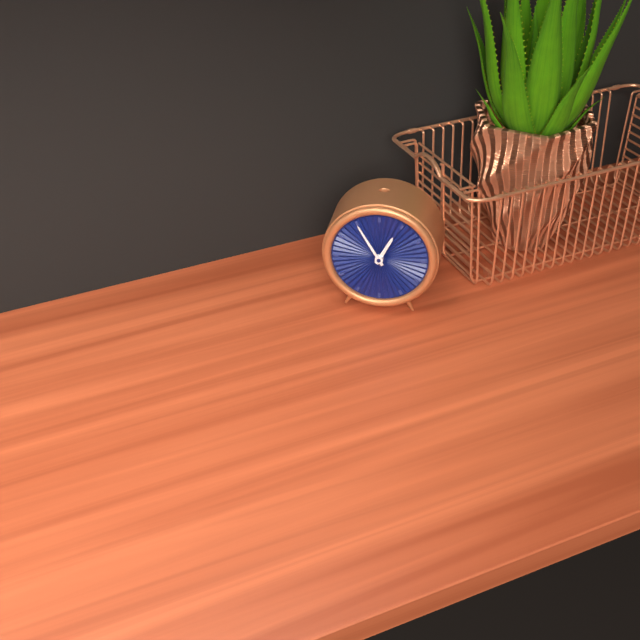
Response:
{"hour": 12, "minute": 55}
